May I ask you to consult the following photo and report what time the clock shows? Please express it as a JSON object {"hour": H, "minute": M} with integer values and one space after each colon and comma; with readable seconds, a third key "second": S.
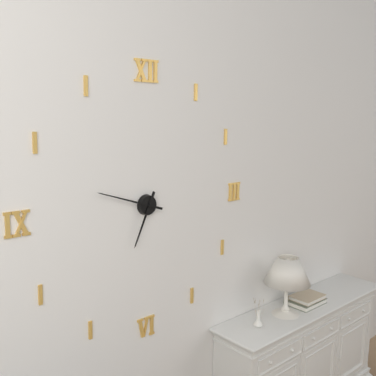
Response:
{"hour": 6, "minute": 48}
